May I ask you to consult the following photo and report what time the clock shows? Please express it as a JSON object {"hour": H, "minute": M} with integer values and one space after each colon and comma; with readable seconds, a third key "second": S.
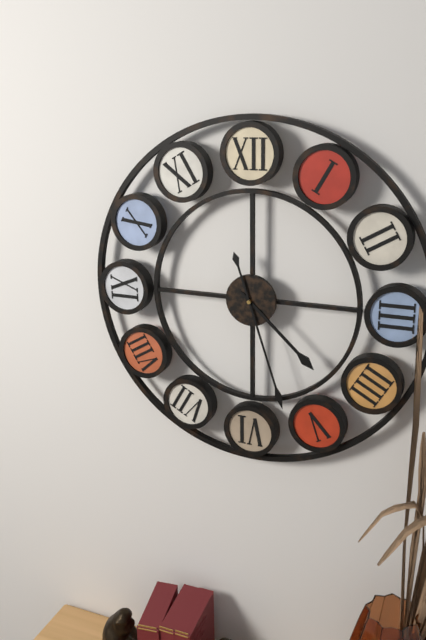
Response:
{"hour": 4, "minute": 27}
